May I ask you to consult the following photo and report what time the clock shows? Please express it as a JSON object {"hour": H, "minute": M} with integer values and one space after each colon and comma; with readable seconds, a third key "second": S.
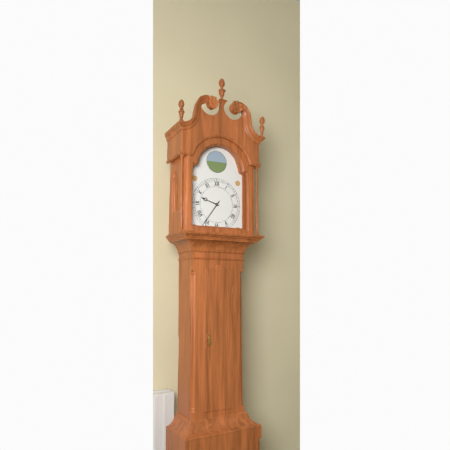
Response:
{"hour": 9, "minute": 36}
